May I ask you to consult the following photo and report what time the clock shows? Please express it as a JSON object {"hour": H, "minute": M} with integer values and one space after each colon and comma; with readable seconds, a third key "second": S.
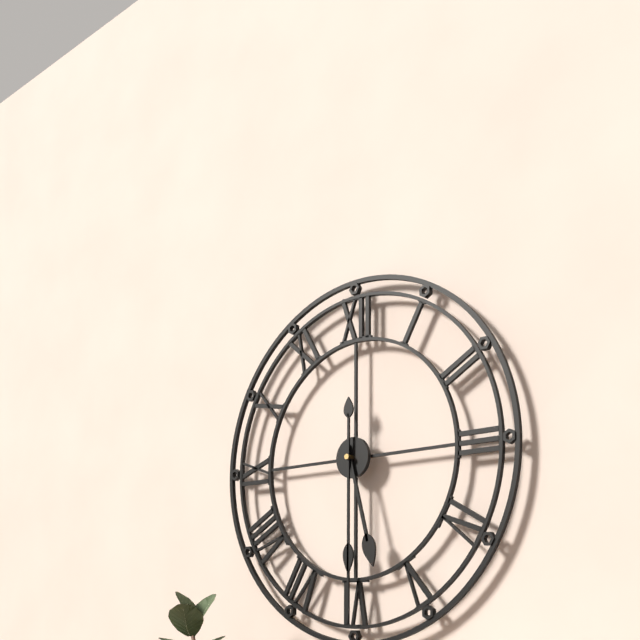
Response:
{"hour": 5, "minute": 30}
